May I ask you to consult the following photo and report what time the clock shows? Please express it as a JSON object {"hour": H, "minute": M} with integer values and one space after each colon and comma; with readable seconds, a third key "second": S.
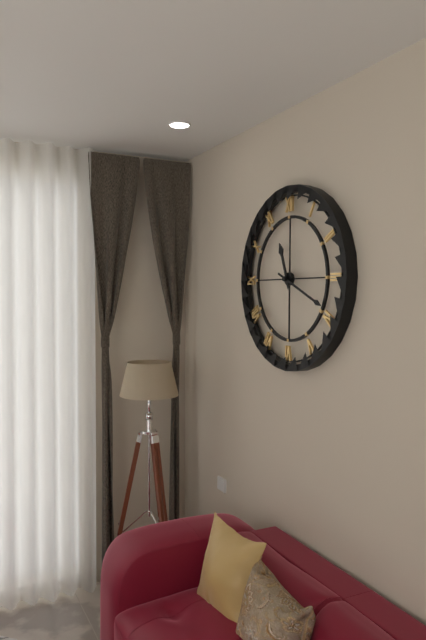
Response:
{"hour": 11, "minute": 19}
